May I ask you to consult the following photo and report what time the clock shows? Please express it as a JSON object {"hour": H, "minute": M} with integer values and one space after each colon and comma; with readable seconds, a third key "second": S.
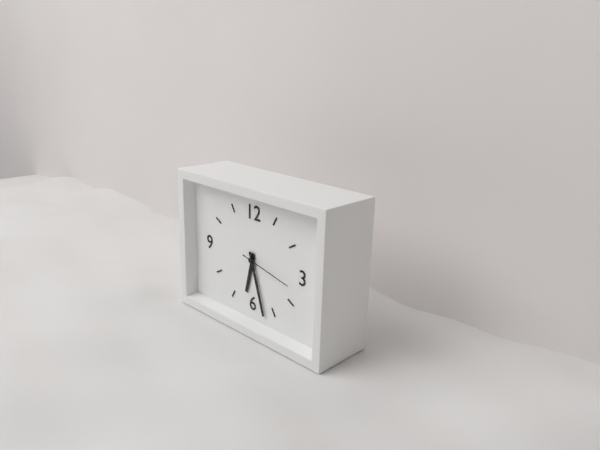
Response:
{"hour": 6, "minute": 27, "second": 17}
